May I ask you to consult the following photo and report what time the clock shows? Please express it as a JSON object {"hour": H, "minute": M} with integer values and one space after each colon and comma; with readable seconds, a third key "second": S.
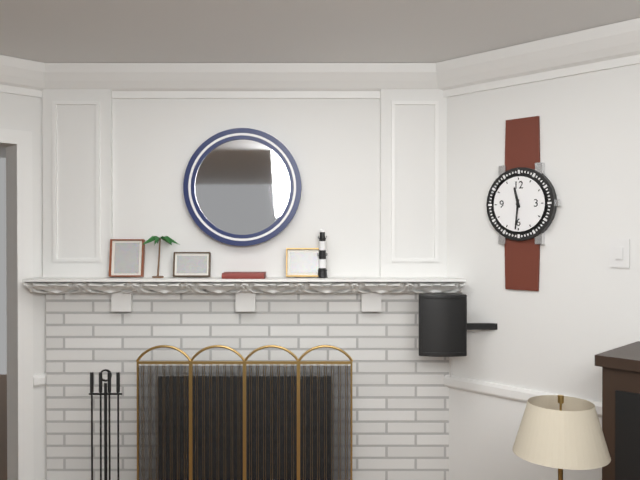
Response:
{"hour": 11, "minute": 31}
